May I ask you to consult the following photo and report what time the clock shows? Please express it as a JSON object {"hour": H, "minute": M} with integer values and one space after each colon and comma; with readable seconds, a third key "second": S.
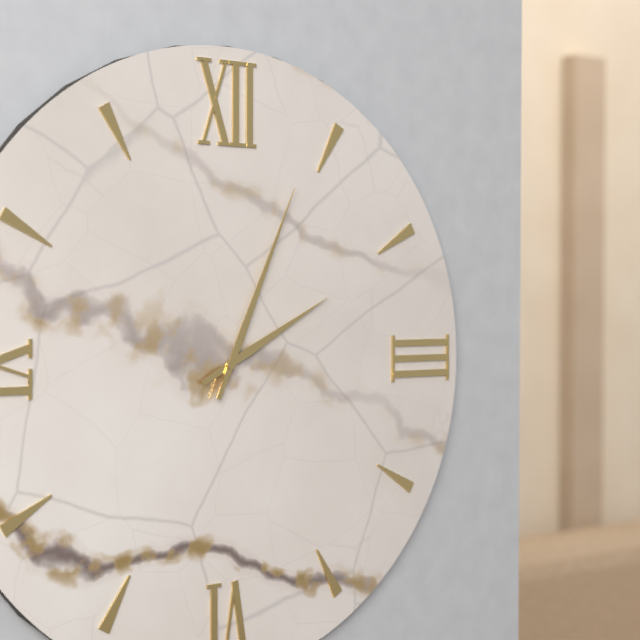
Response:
{"hour": 2, "minute": 4}
